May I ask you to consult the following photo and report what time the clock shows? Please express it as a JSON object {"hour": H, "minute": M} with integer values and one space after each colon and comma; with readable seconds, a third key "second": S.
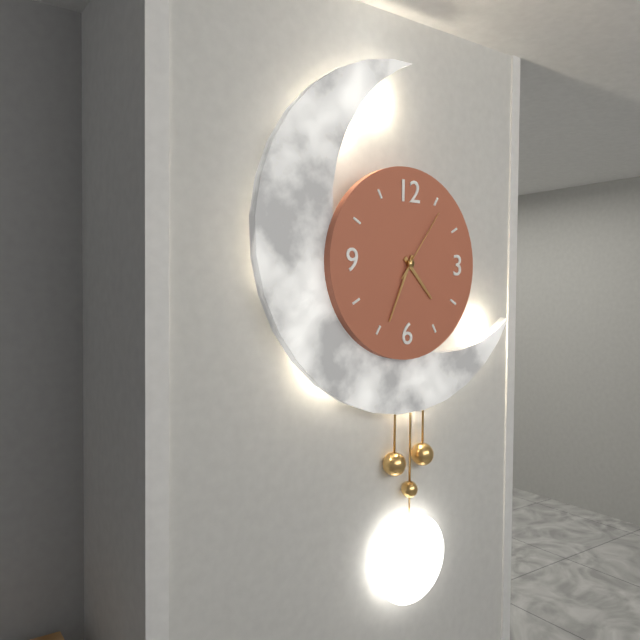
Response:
{"hour": 4, "minute": 34, "second": 6}
